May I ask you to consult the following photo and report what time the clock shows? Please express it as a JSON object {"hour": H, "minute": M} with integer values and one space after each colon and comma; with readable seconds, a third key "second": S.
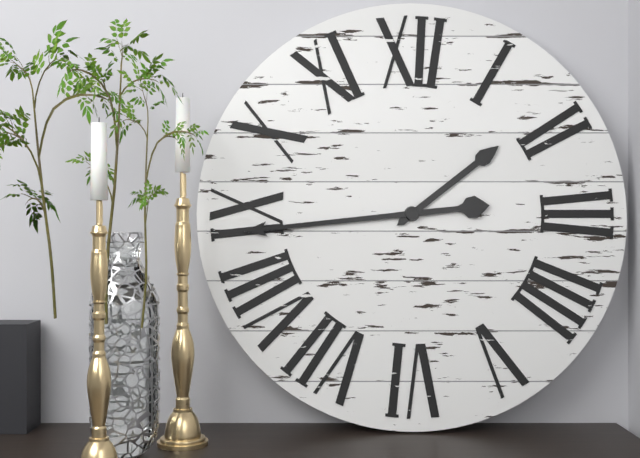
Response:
{"hour": 1, "minute": 44}
